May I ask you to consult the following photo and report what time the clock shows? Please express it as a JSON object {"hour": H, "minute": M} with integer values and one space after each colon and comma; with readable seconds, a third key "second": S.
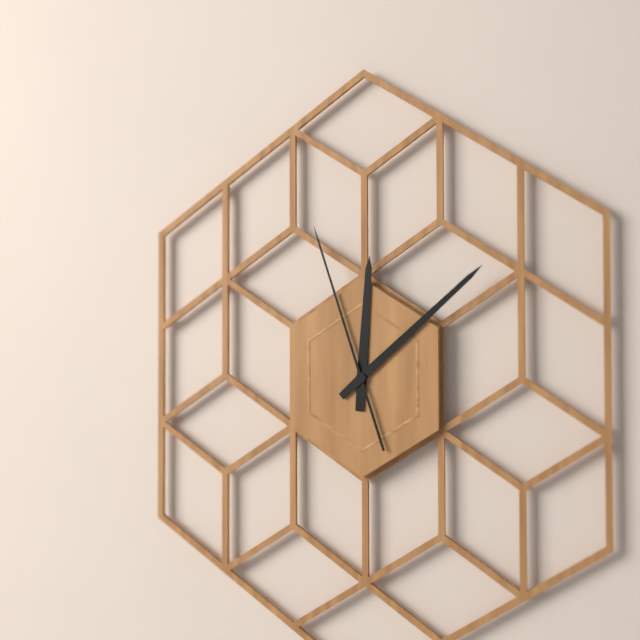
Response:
{"hour": 12, "minute": 8, "second": 57}
